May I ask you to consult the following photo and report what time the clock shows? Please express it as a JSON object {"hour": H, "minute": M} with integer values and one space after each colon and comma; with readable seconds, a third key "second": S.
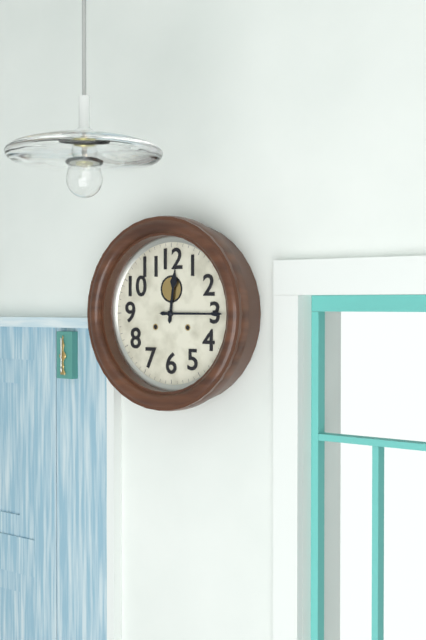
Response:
{"hour": 12, "minute": 15}
